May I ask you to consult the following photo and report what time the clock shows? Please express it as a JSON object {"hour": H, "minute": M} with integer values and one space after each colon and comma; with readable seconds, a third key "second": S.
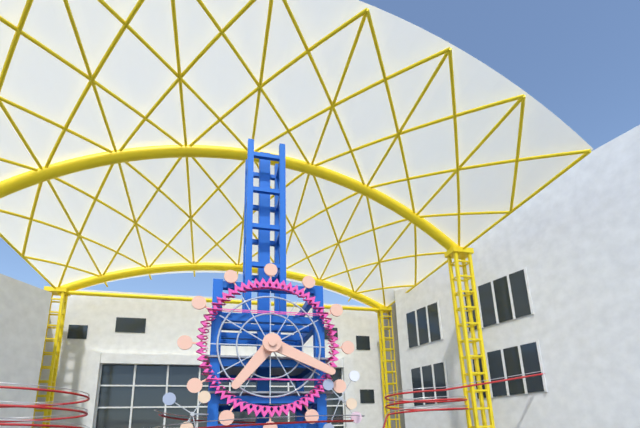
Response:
{"hour": 7, "minute": 19}
